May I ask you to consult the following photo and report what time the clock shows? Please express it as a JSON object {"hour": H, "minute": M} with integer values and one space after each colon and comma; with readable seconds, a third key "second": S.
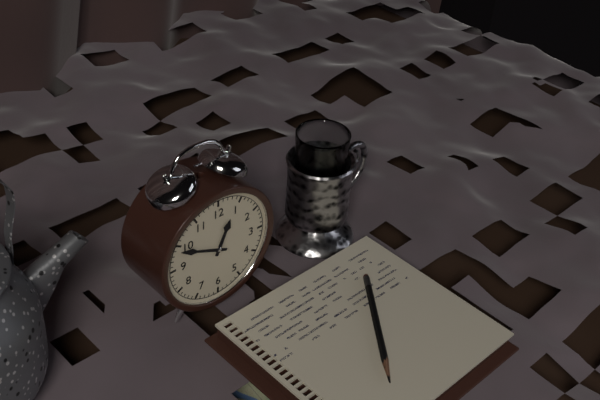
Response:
{"hour": 12, "minute": 49}
